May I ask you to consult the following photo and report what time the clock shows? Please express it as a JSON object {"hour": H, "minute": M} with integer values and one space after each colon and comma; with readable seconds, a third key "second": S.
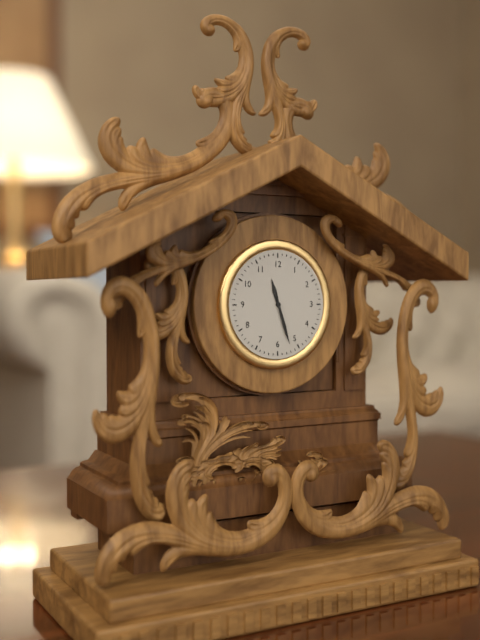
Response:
{"hour": 11, "minute": 27}
